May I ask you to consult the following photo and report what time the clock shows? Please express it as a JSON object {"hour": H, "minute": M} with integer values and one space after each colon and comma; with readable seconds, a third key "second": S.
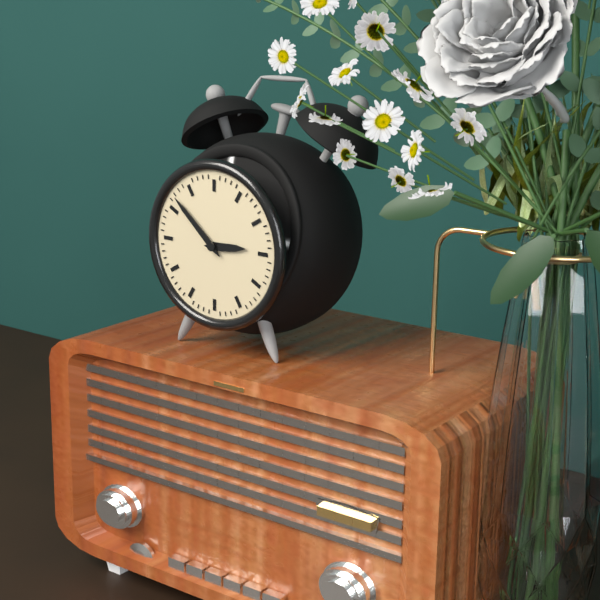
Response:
{"hour": 2, "minute": 52}
